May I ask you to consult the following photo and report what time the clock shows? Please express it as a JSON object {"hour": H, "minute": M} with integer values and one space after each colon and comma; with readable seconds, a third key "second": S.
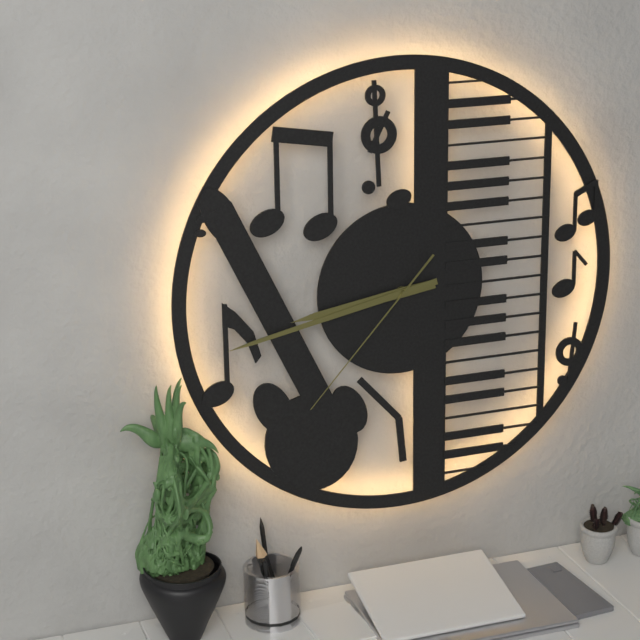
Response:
{"hour": 8, "minute": 43, "second": 37}
